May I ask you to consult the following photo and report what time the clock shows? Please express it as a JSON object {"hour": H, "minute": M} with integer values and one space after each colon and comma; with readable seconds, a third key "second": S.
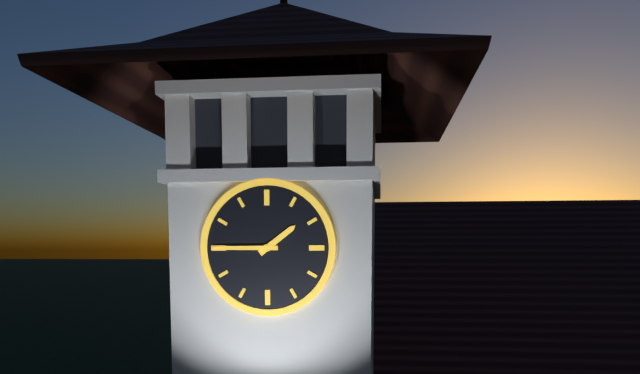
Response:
{"hour": 1, "minute": 45}
